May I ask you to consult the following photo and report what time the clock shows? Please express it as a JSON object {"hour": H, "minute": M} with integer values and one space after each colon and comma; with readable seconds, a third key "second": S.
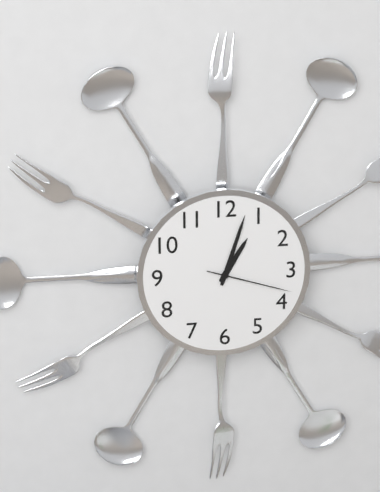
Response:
{"hour": 1, "minute": 3, "second": 18}
